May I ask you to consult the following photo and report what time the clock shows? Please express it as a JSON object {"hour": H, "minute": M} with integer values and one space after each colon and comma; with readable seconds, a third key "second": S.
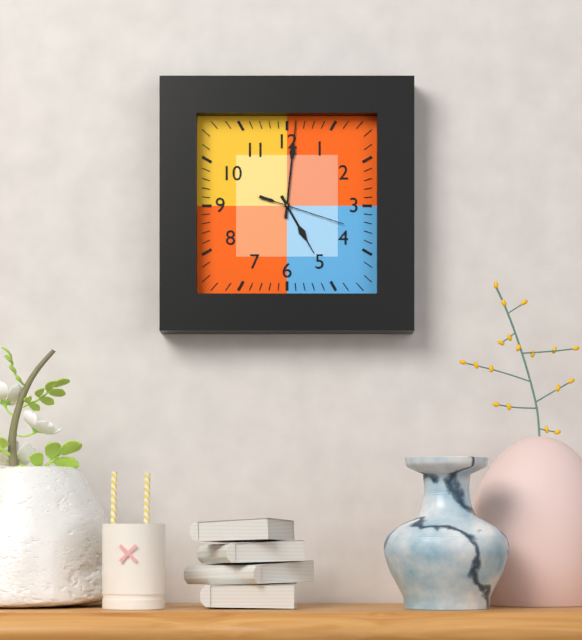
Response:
{"hour": 5, "minute": 1, "second": 18}
